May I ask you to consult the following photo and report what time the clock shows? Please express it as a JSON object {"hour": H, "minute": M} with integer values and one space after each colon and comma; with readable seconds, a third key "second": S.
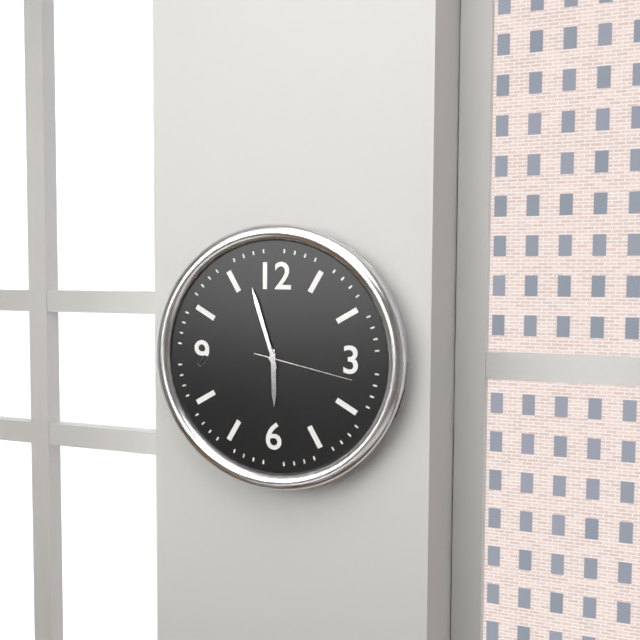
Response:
{"hour": 5, "minute": 57, "second": 17}
